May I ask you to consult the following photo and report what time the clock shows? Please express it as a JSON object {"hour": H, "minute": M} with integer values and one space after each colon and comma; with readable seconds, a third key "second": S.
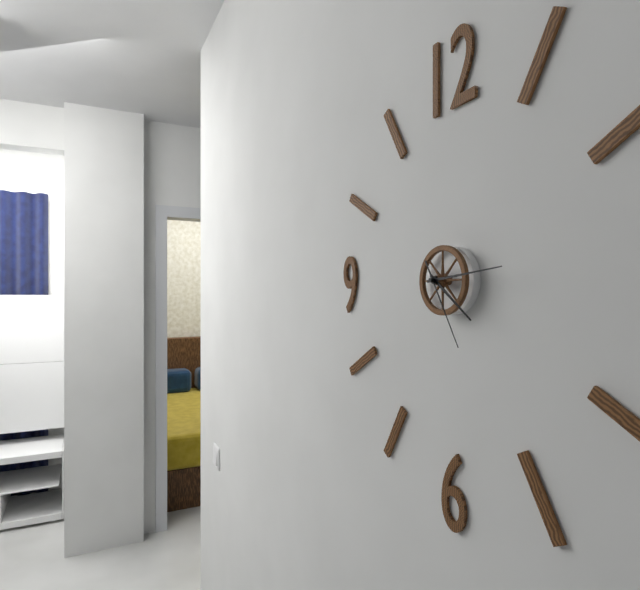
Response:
{"hour": 4, "minute": 14, "second": 25}
